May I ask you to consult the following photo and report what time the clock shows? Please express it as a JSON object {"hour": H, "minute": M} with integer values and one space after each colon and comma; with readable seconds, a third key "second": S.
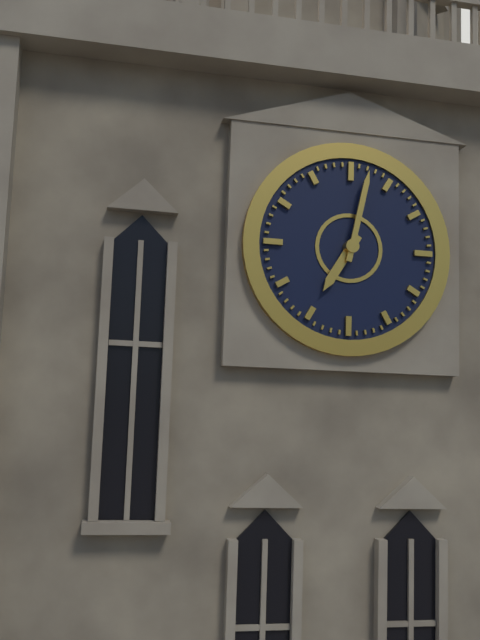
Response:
{"hour": 7, "minute": 2}
